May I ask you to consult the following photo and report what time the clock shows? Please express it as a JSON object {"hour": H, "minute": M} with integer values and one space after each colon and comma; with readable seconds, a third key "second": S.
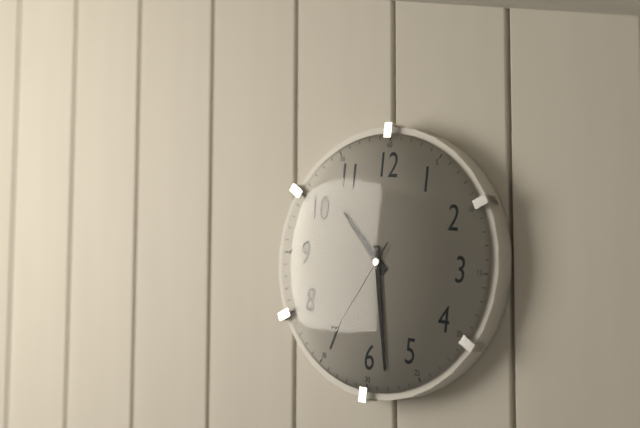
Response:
{"hour": 10, "minute": 28, "second": 35}
